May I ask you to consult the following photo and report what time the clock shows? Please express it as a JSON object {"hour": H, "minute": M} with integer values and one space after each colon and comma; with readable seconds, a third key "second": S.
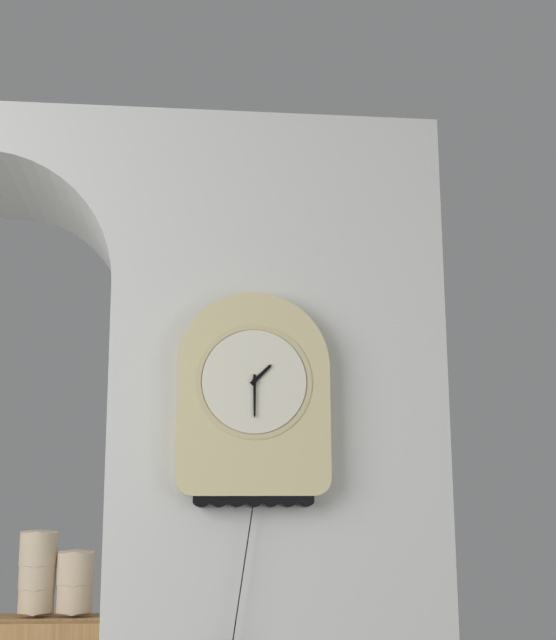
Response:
{"hour": 1, "minute": 30}
